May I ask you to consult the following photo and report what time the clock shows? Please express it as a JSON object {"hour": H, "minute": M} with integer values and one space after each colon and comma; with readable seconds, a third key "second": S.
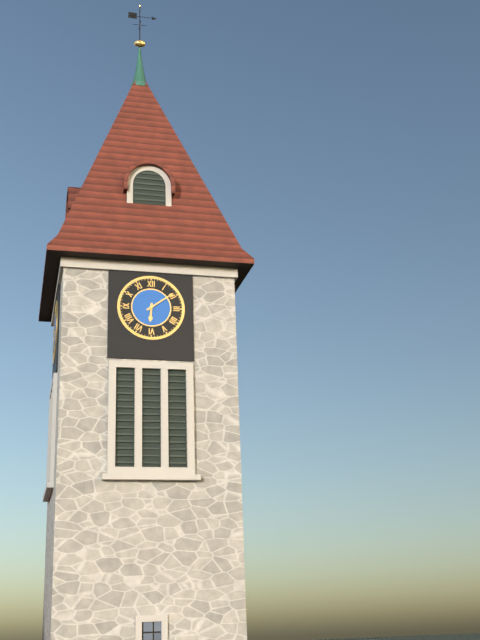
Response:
{"hour": 6, "minute": 9}
